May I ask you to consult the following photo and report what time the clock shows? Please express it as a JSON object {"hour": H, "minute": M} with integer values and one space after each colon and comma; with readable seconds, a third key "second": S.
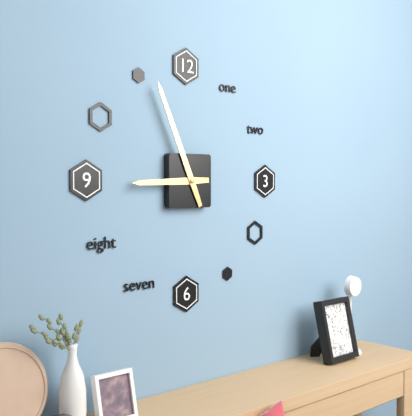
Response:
{"hour": 8, "minute": 56}
